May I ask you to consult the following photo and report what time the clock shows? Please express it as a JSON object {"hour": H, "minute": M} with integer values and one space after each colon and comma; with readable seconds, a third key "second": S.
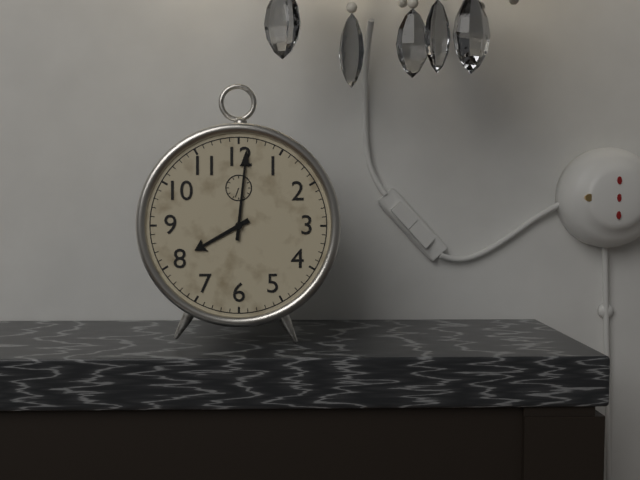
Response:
{"hour": 8, "minute": 1}
